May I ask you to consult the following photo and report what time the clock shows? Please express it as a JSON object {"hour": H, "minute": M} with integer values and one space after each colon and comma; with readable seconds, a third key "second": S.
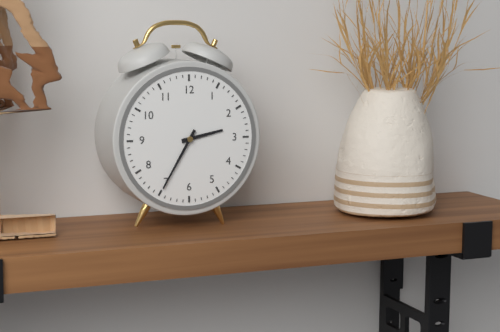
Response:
{"hour": 2, "minute": 35}
